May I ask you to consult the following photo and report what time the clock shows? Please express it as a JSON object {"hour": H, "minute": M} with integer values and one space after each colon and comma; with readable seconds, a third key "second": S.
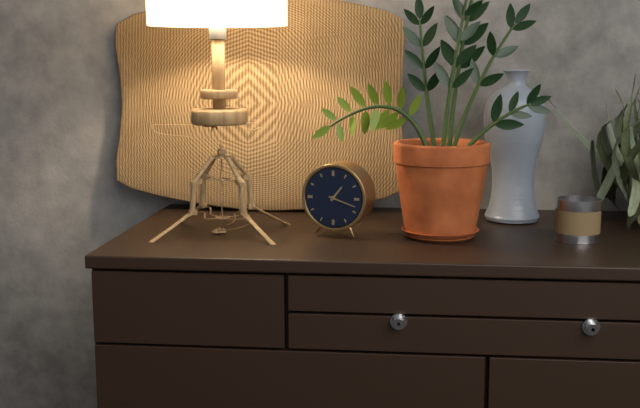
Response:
{"hour": 1, "minute": 18}
